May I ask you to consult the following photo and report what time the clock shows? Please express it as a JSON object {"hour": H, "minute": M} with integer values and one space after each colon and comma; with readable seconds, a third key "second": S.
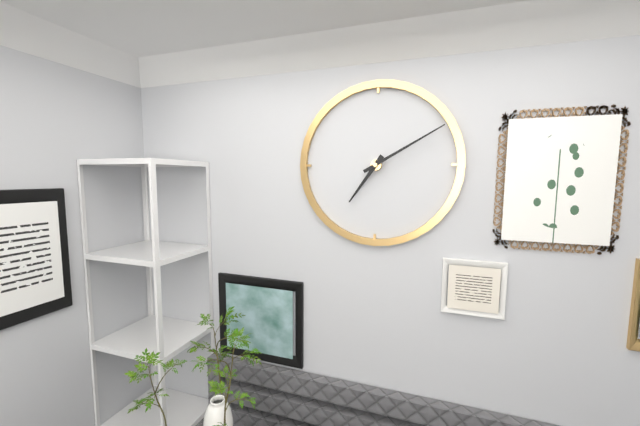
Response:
{"hour": 7, "minute": 10}
